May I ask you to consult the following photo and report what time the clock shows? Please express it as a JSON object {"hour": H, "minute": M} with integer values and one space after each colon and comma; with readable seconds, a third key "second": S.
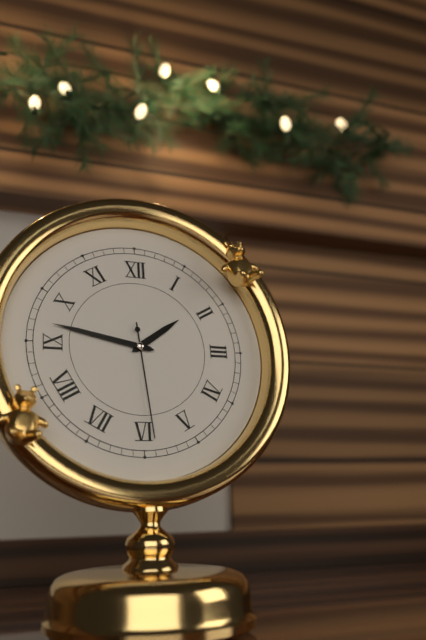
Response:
{"hour": 1, "minute": 47, "second": 29}
